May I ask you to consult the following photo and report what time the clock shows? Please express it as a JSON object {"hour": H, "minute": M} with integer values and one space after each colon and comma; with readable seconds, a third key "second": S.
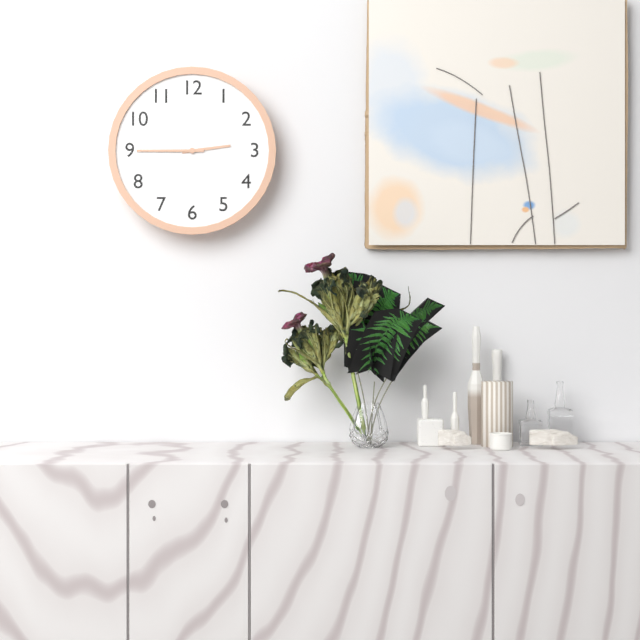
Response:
{"hour": 2, "minute": 45}
